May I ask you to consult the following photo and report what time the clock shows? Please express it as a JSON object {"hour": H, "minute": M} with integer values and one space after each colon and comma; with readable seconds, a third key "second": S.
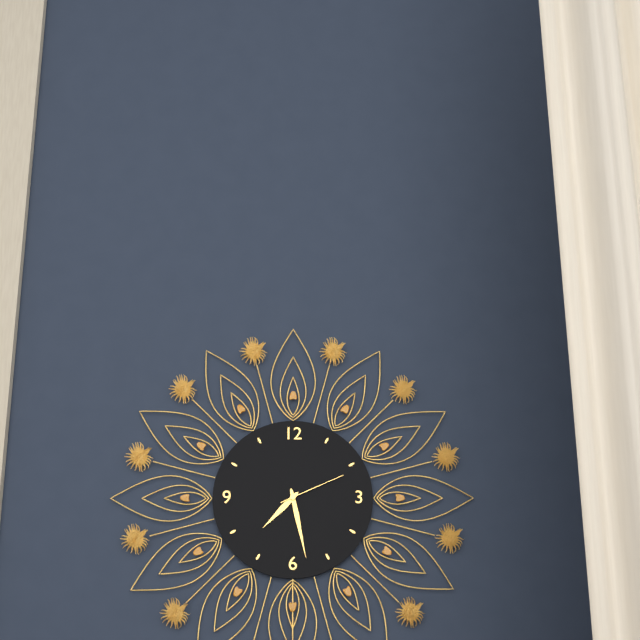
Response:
{"hour": 7, "minute": 28, "second": 11}
